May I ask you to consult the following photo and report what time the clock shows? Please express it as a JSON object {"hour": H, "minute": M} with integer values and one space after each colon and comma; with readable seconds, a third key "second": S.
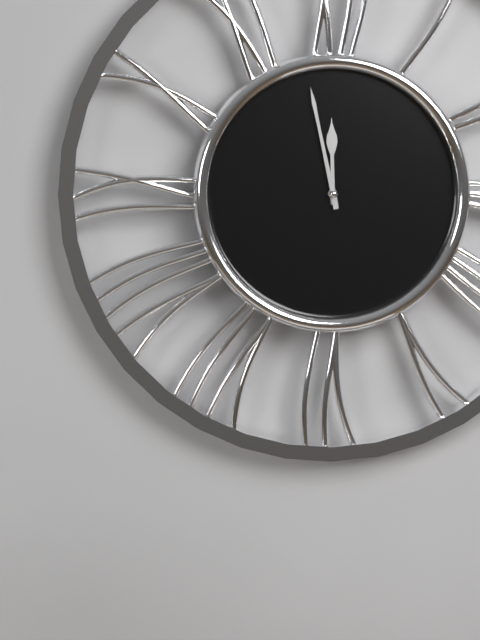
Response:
{"hour": 11, "minute": 58}
